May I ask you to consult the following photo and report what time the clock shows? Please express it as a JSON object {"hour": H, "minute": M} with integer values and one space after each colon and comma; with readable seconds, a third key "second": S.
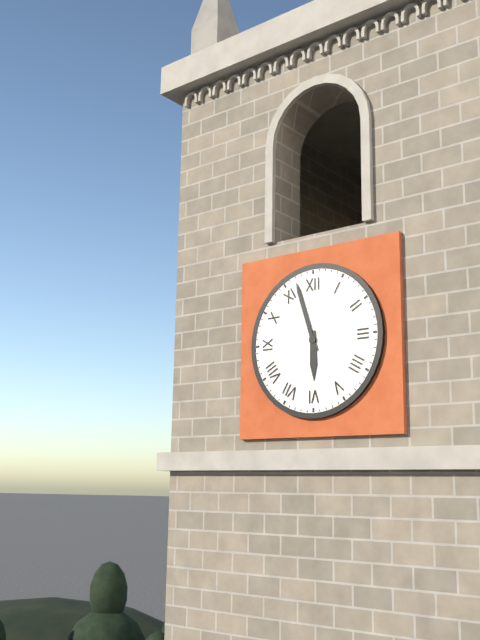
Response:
{"hour": 5, "minute": 57}
